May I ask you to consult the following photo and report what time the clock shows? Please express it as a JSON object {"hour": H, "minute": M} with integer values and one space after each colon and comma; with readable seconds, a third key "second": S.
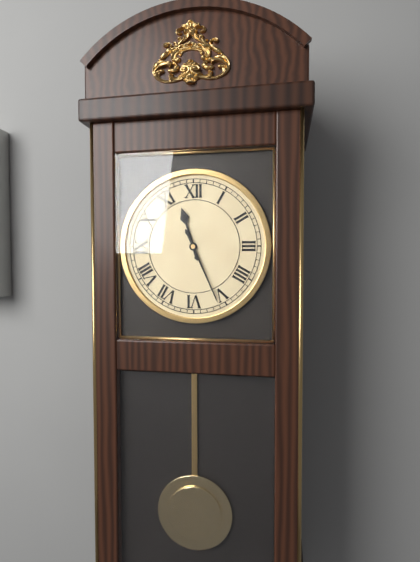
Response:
{"hour": 11, "minute": 26}
